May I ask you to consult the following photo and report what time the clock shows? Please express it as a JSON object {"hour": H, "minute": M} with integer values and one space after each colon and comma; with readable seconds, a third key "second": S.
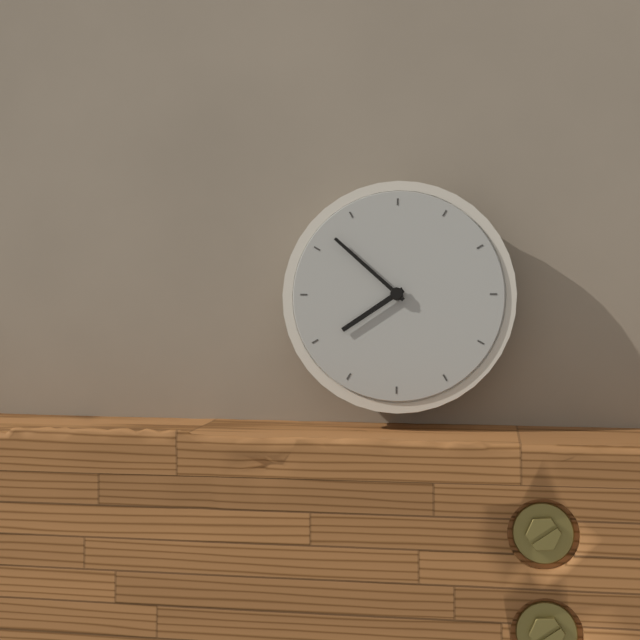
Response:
{"hour": 7, "minute": 52}
